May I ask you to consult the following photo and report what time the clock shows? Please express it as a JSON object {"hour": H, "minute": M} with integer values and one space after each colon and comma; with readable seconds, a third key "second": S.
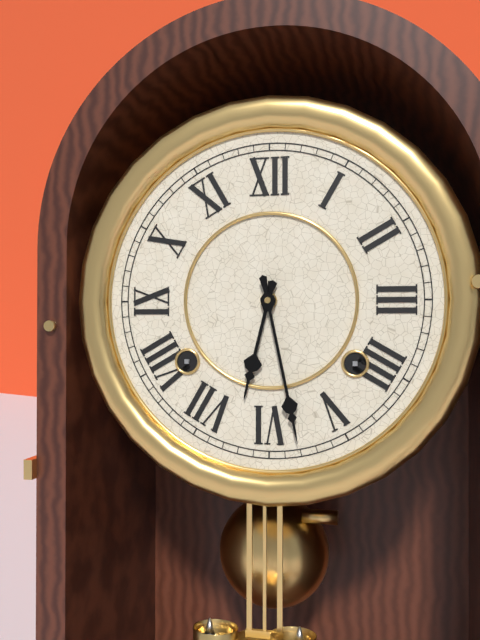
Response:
{"hour": 6, "minute": 28}
